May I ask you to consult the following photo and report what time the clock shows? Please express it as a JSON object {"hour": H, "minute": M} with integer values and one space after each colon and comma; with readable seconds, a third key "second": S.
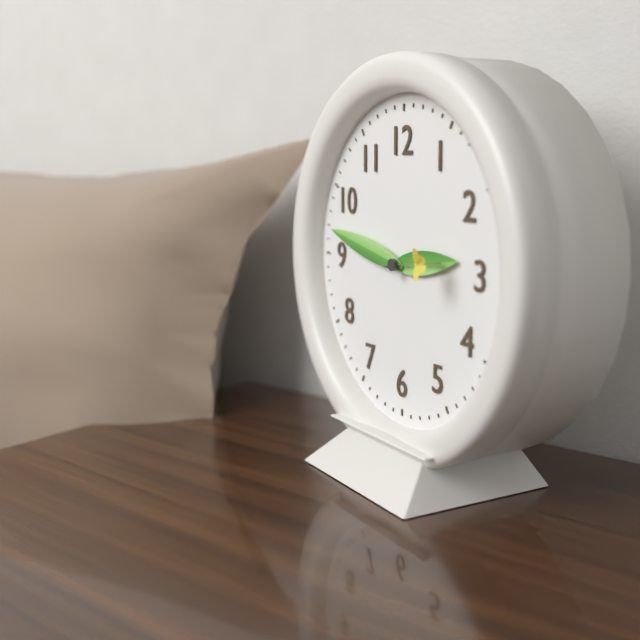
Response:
{"hour": 2, "minute": 47}
